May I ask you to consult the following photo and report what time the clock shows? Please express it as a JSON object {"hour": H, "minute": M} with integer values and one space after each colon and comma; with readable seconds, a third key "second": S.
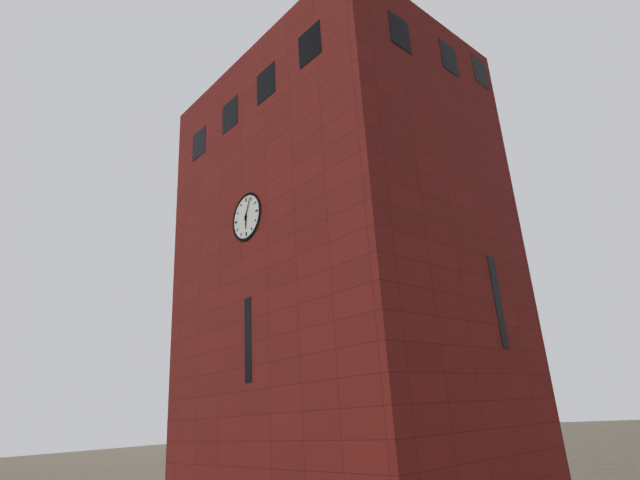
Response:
{"hour": 6, "minute": 4}
